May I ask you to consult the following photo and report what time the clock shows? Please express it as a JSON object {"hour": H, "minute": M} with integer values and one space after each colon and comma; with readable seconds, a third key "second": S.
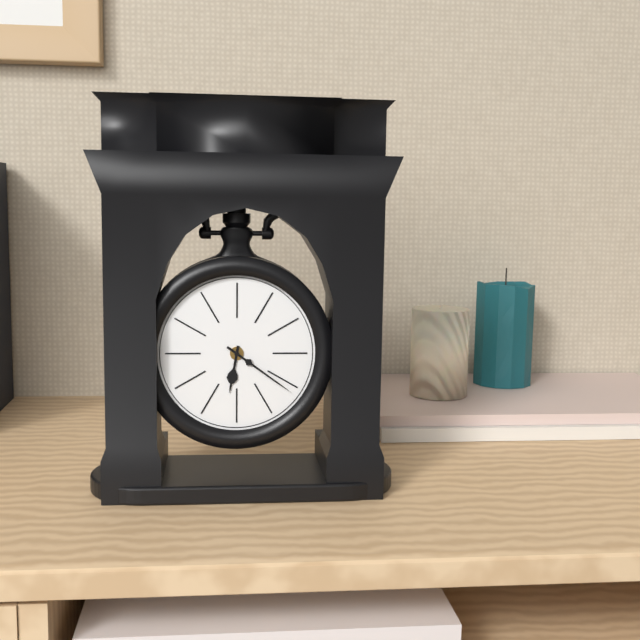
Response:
{"hour": 6, "minute": 21}
